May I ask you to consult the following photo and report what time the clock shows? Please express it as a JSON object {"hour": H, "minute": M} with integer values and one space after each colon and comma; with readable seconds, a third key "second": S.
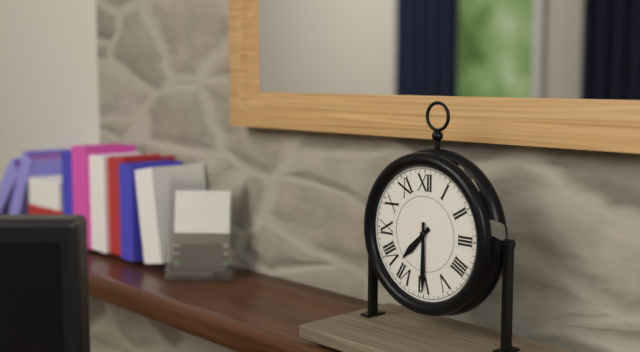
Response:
{"hour": 7, "minute": 30}
